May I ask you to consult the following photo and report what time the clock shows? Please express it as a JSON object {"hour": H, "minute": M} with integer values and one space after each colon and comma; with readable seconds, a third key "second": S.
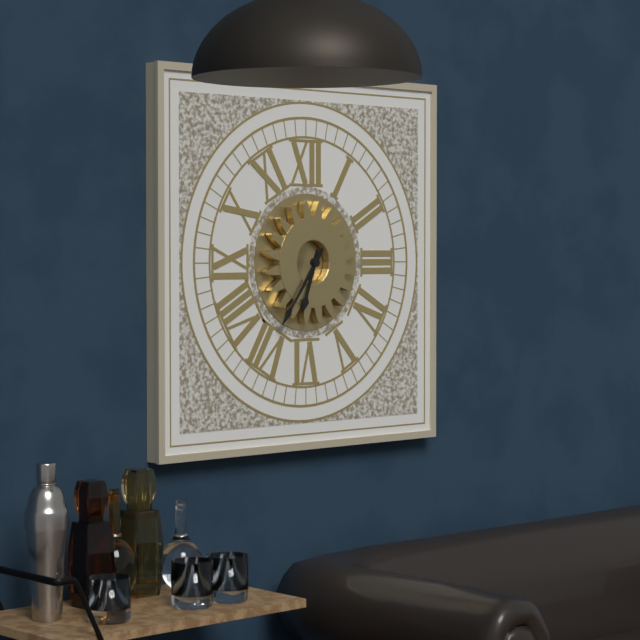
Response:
{"hour": 6, "minute": 36}
